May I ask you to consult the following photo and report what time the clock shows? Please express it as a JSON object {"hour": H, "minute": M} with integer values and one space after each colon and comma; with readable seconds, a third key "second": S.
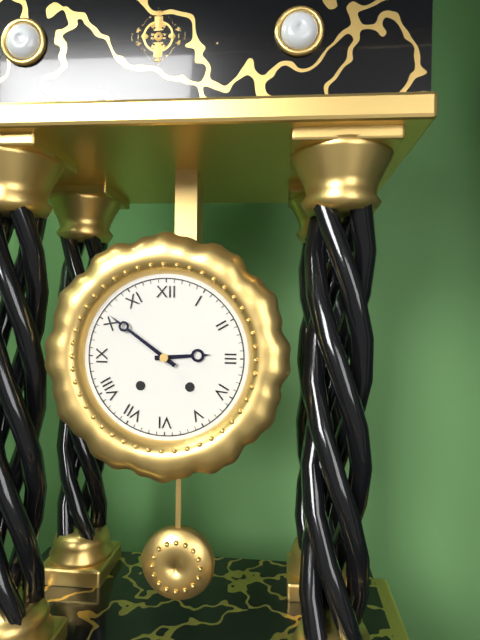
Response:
{"hour": 2, "minute": 51}
